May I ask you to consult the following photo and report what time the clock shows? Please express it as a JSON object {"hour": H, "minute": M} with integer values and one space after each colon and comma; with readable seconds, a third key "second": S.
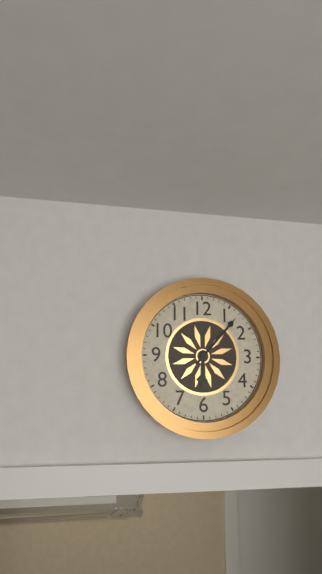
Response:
{"hour": 6, "minute": 7}
